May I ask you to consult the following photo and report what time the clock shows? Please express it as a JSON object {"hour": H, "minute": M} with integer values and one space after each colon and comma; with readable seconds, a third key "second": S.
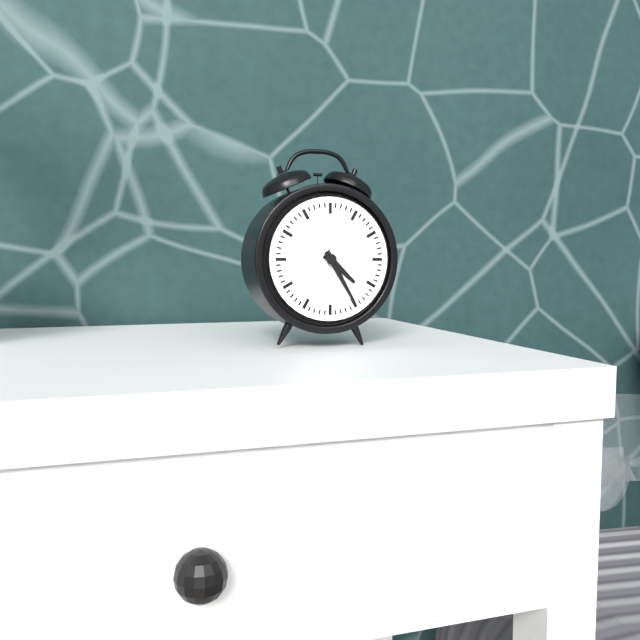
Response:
{"hour": 4, "minute": 25}
